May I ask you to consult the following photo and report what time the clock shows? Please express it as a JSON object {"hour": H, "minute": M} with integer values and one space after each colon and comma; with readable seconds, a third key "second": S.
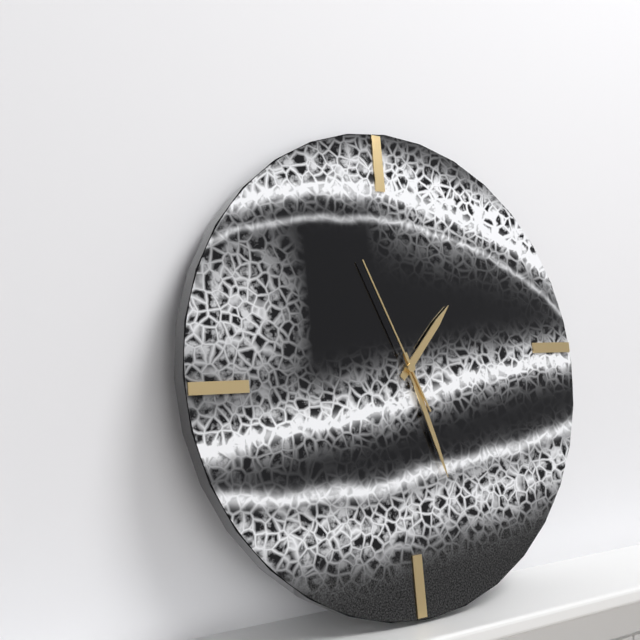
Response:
{"hour": 1, "minute": 27, "second": 56}
